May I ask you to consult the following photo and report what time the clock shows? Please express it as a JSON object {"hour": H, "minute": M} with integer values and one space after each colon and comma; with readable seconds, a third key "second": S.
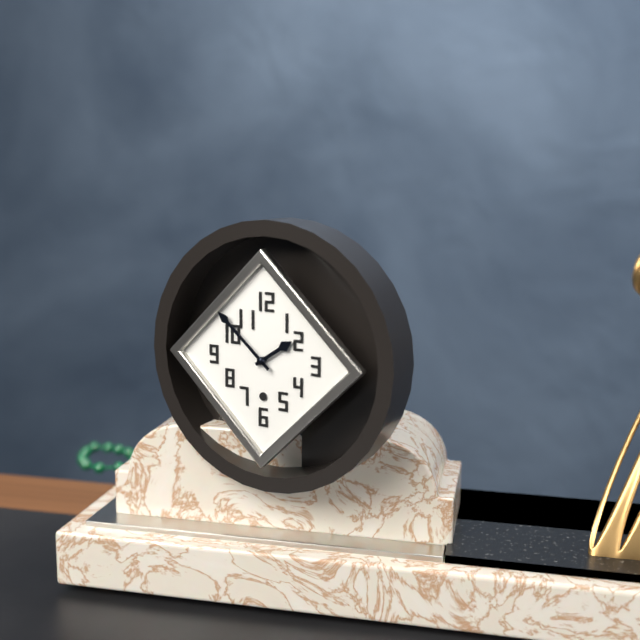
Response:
{"hour": 1, "minute": 52}
